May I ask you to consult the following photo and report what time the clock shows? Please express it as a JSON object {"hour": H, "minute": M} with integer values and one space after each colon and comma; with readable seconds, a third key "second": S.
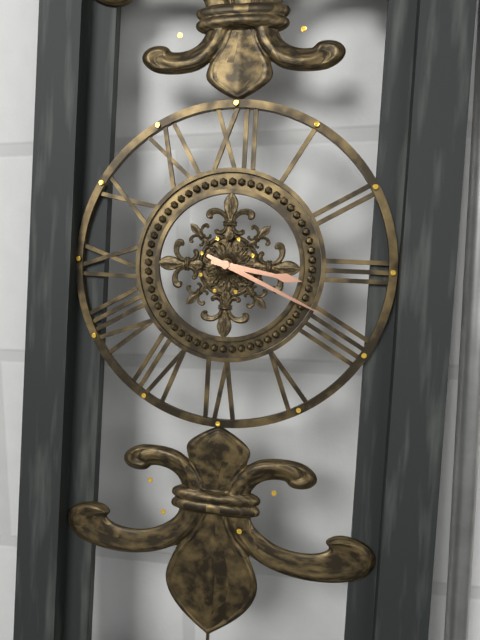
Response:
{"hour": 3, "minute": 19}
